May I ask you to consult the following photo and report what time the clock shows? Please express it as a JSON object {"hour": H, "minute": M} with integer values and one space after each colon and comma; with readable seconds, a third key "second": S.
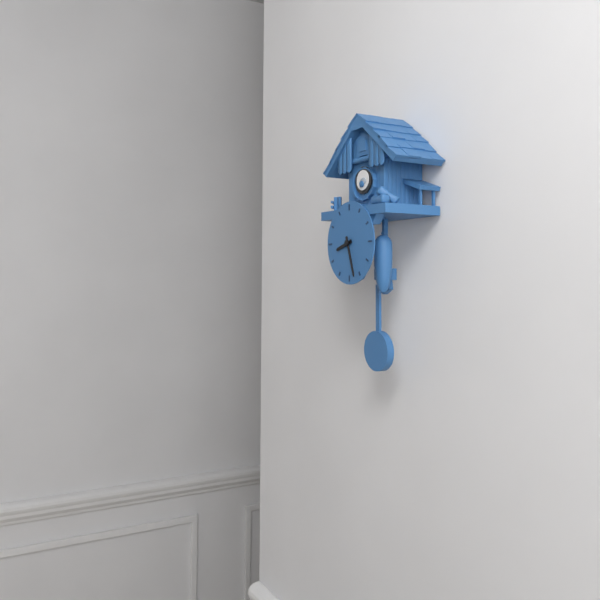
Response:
{"hour": 8, "minute": 27}
